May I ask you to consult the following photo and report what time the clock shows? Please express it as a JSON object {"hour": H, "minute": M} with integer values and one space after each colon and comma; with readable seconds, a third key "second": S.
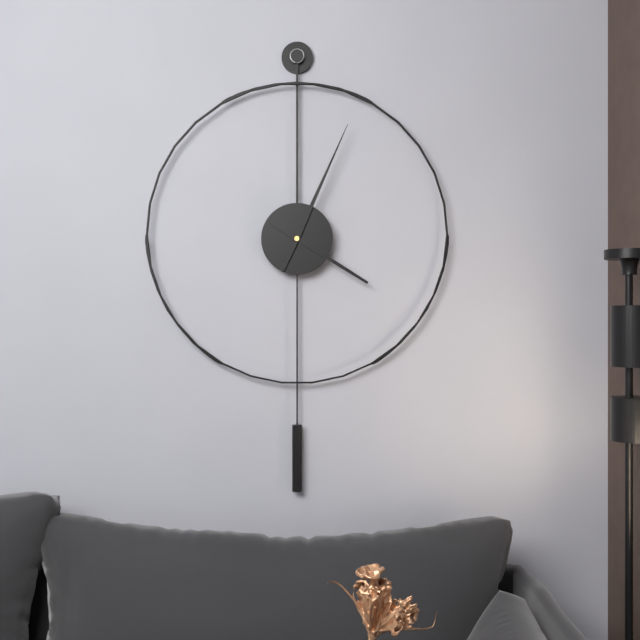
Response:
{"hour": 4, "minute": 4}
